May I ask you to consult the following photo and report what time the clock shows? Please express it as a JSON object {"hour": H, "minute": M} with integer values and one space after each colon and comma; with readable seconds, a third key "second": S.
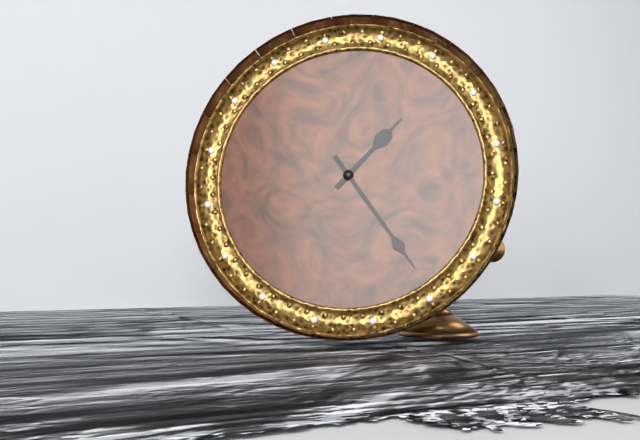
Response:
{"hour": 1, "minute": 24}
